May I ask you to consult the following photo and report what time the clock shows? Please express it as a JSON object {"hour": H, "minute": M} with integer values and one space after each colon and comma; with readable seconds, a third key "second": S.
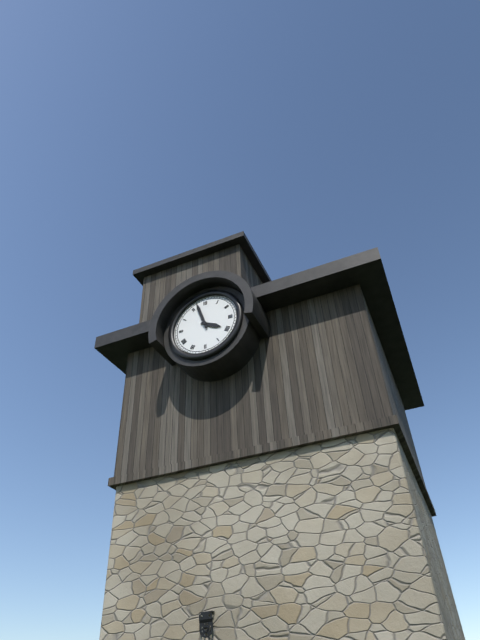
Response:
{"hour": 3, "minute": 57}
